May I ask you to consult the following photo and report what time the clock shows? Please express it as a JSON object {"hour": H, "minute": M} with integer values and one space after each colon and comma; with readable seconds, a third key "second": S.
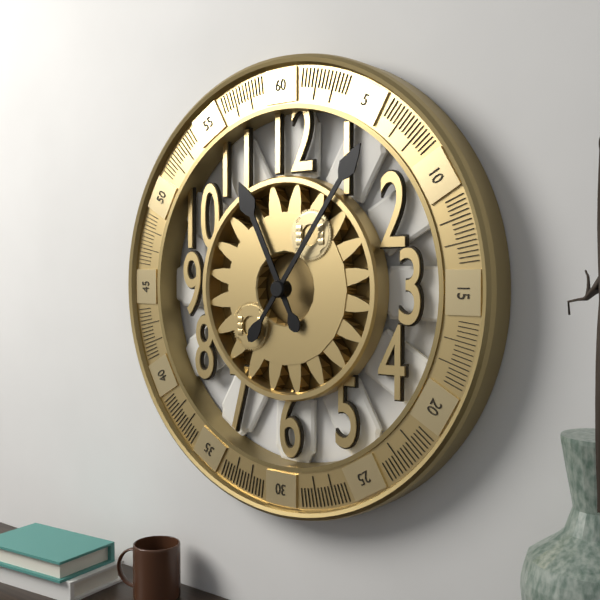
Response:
{"hour": 11, "minute": 6}
